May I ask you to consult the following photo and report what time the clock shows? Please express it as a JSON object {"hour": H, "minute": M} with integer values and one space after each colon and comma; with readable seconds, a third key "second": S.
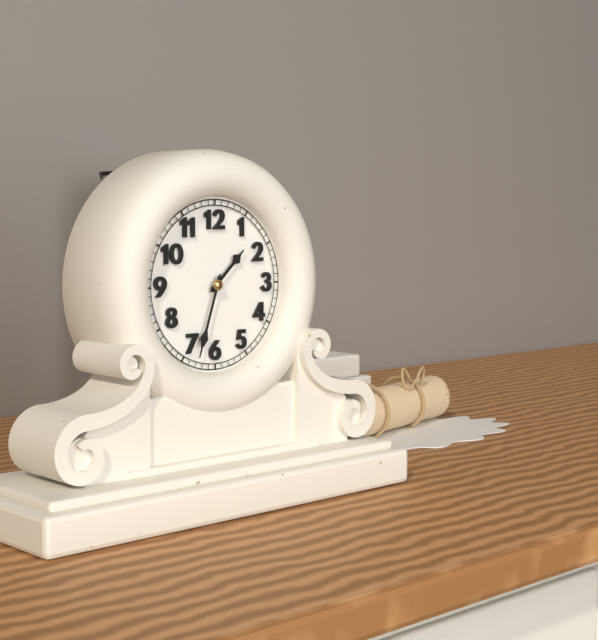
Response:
{"hour": 1, "minute": 33}
